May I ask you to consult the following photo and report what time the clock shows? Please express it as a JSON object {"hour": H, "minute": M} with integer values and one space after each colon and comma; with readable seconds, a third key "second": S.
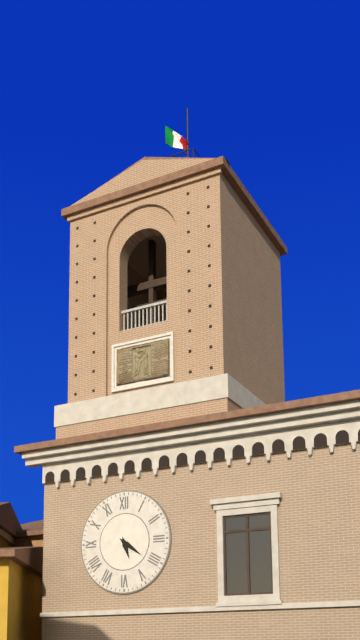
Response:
{"hour": 5, "minute": 21}
